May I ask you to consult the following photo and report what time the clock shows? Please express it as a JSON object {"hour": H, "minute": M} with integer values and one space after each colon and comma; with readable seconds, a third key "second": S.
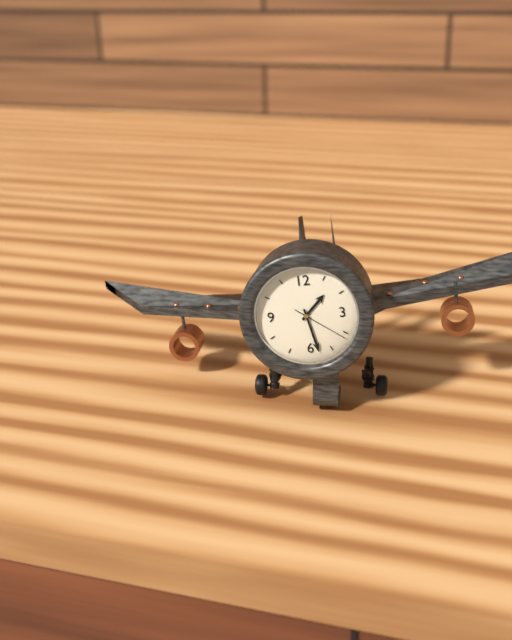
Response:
{"hour": 1, "minute": 28, "second": 21}
